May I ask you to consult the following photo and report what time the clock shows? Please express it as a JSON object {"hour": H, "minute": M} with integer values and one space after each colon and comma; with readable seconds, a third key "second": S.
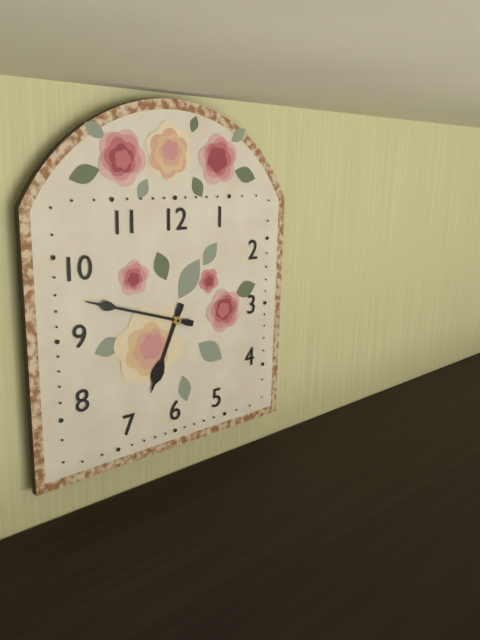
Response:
{"hour": 6, "minute": 48}
